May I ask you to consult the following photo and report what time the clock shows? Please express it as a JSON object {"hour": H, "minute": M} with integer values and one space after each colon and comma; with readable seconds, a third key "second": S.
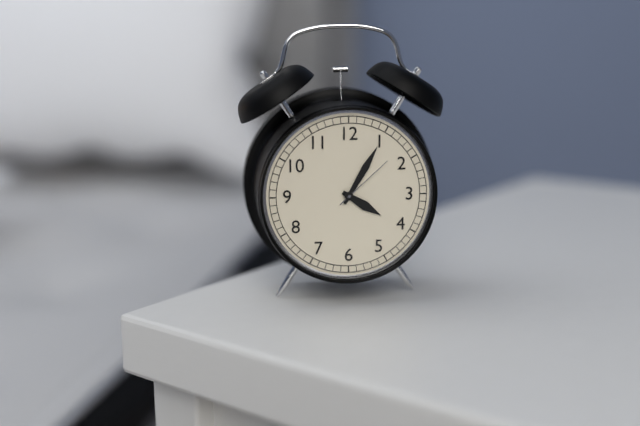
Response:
{"hour": 4, "minute": 5, "second": 8}
